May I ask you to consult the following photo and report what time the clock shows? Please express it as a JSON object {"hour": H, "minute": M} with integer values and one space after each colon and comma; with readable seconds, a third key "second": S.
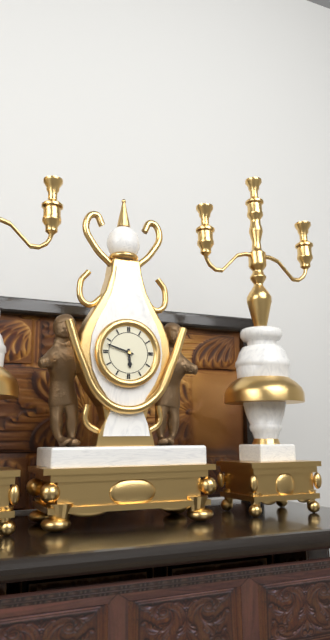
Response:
{"hour": 5, "minute": 48}
